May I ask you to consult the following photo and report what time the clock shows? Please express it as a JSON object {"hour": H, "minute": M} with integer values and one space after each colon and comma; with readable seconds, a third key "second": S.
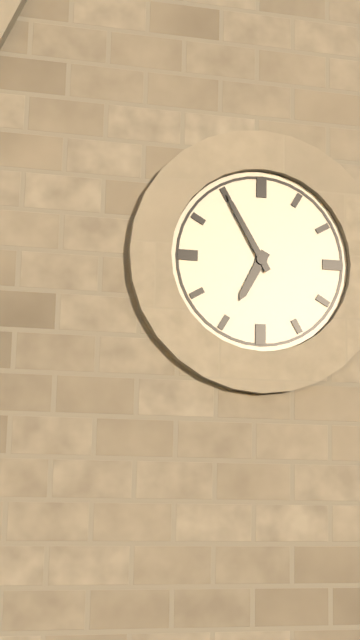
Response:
{"hour": 6, "minute": 55}
